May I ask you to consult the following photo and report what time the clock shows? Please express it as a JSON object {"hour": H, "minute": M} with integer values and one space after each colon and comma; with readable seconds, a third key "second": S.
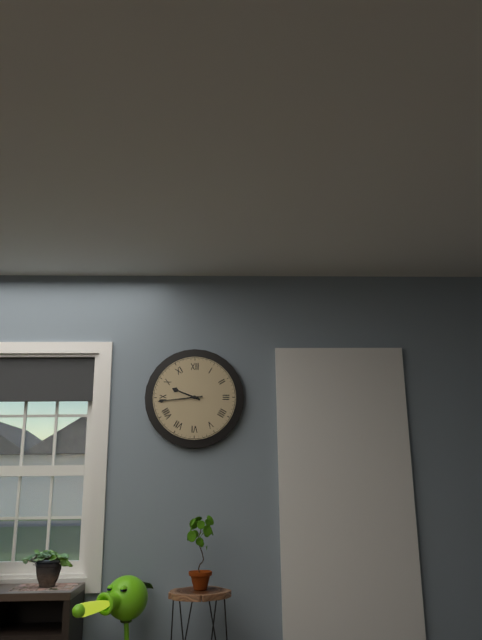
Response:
{"hour": 9, "minute": 44}
